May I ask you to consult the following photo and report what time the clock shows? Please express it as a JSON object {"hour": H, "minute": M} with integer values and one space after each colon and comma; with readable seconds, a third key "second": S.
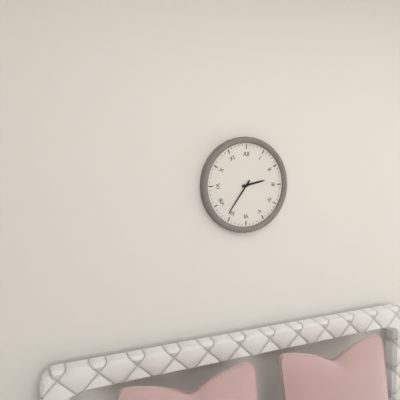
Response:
{"hour": 2, "minute": 36}
